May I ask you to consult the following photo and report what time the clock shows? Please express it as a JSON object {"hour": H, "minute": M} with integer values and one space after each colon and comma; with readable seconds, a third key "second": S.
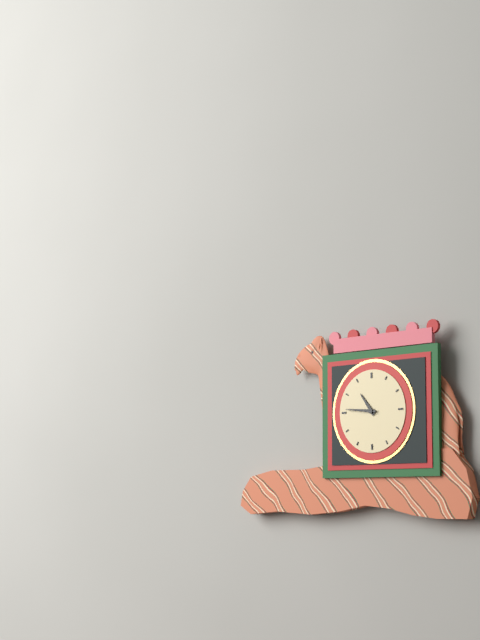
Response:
{"hour": 10, "minute": 46}
